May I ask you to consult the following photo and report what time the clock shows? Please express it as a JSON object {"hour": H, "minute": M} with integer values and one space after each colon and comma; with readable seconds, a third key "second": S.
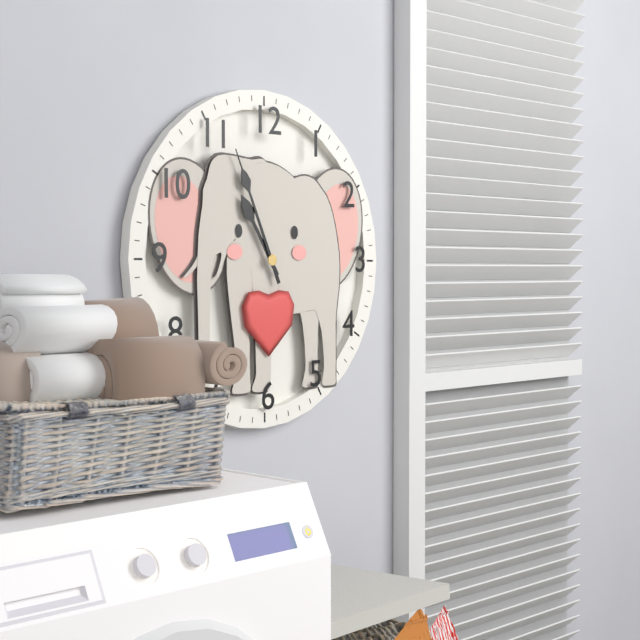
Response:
{"hour": 10, "minute": 56}
